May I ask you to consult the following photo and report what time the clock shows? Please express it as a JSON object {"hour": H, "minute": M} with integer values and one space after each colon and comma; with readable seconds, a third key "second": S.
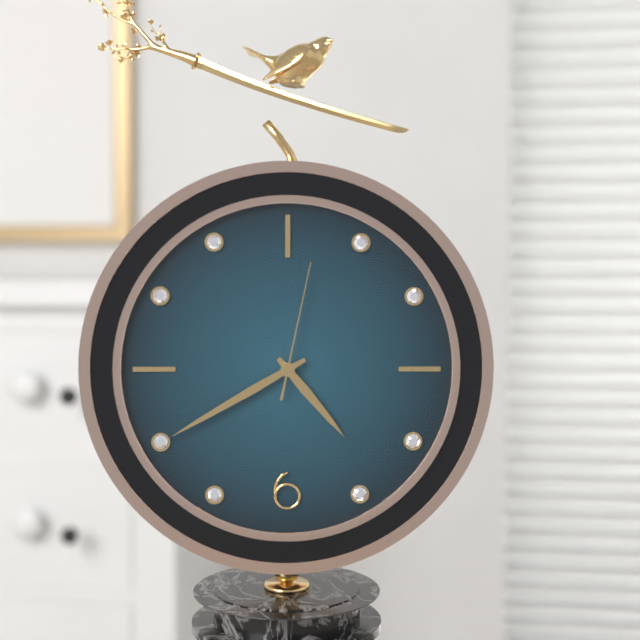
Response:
{"hour": 4, "minute": 40, "second": 2}
